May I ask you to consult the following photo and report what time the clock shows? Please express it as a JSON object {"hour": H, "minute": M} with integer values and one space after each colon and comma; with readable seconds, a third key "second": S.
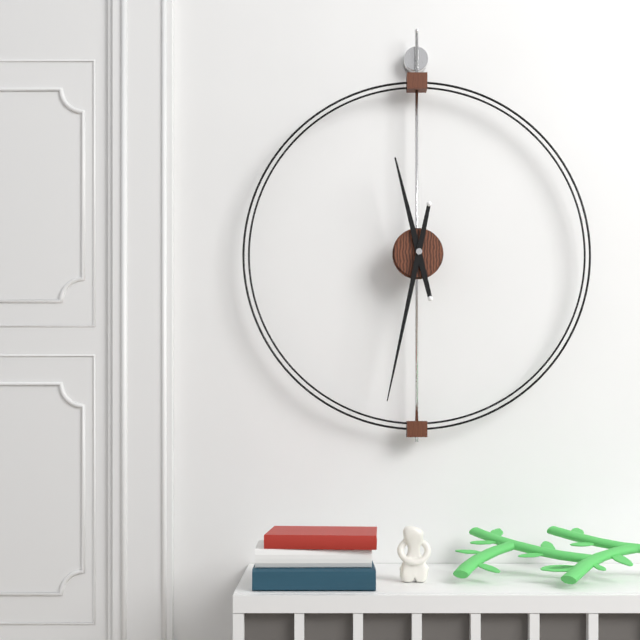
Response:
{"hour": 11, "minute": 32}
